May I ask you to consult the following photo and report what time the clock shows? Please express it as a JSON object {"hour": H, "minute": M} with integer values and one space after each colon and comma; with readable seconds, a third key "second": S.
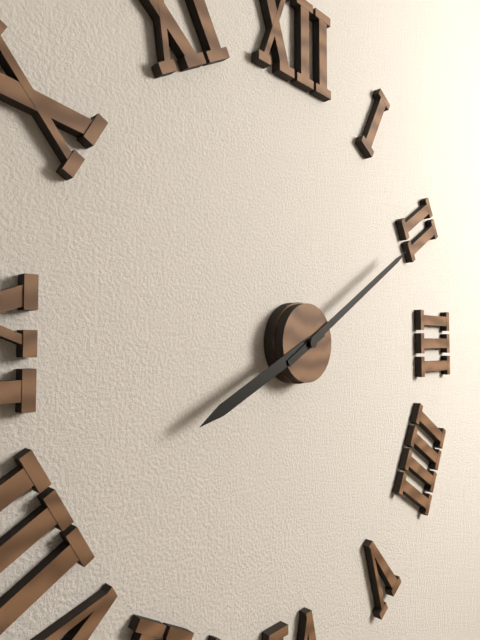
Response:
{"hour": 8, "minute": 10}
